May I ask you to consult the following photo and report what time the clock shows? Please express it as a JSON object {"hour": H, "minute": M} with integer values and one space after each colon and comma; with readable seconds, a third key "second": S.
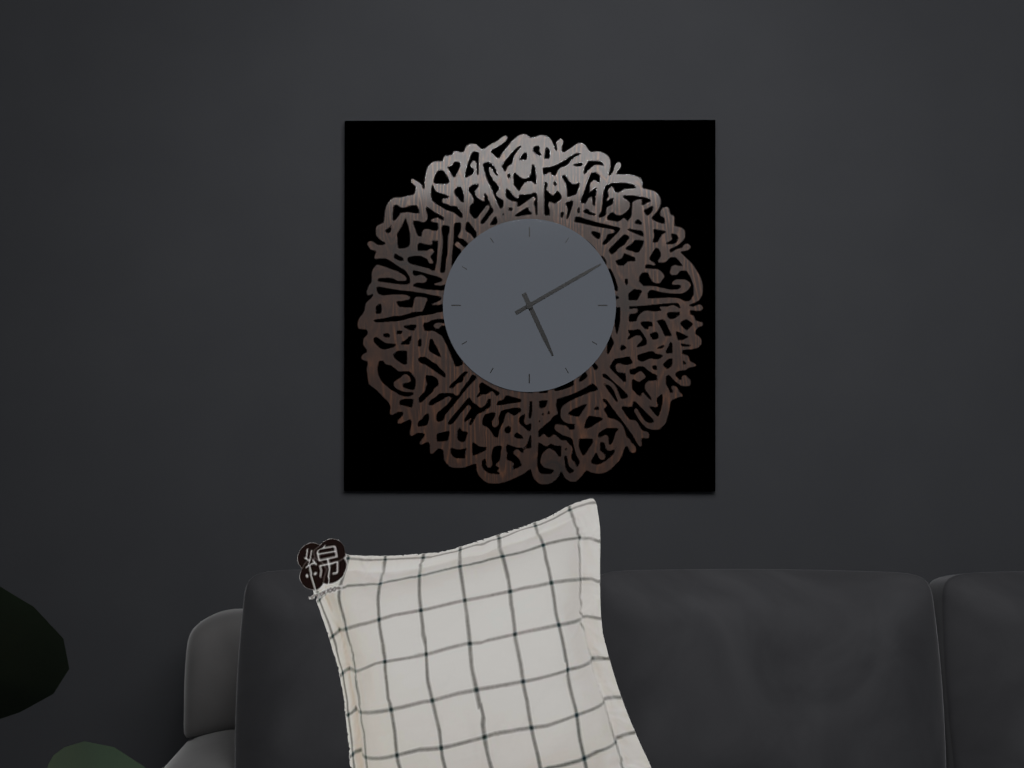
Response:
{"hour": 5, "minute": 10}
